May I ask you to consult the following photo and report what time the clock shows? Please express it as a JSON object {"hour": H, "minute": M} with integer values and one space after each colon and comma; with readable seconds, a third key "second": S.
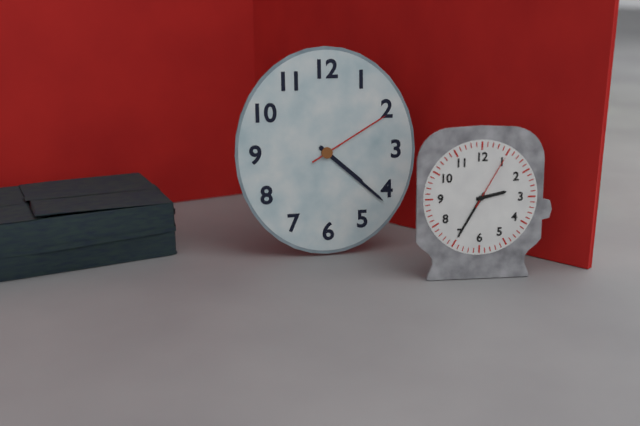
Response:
{"hour": 4, "minute": 22, "second": 10}
